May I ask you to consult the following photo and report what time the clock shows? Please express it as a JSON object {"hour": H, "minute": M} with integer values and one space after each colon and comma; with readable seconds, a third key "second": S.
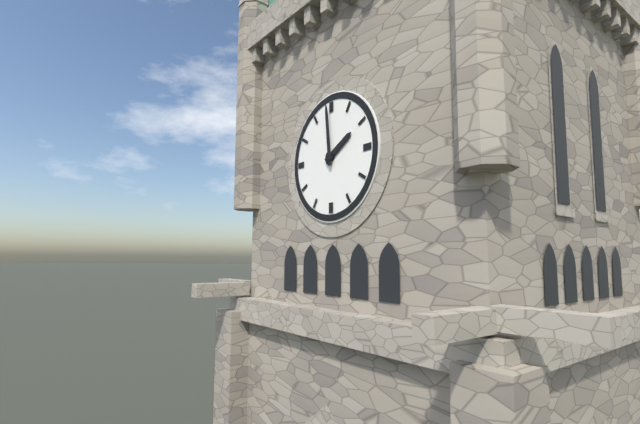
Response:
{"hour": 1, "minute": 59}
